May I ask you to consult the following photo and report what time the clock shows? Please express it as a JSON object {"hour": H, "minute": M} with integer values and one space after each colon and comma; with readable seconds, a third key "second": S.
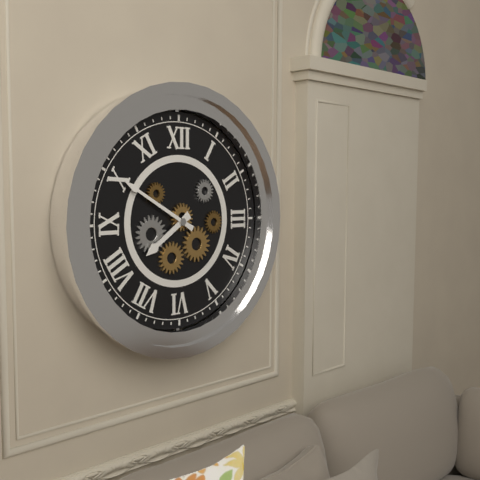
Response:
{"hour": 7, "minute": 50}
